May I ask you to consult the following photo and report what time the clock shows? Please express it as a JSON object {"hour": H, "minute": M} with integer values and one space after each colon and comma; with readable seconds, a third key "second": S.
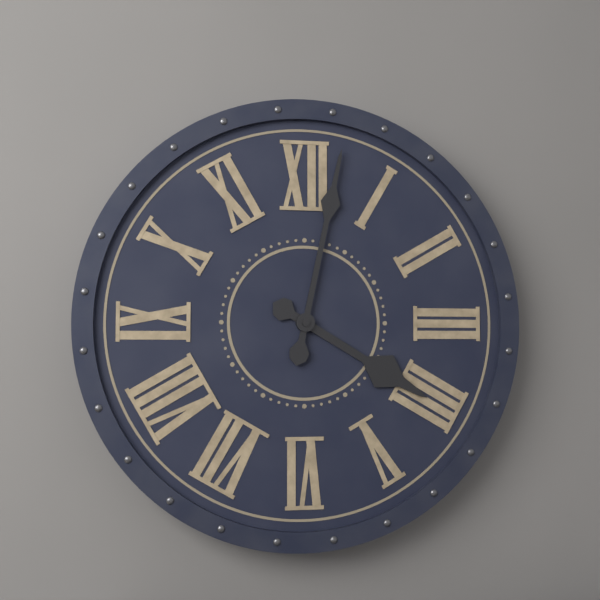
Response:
{"hour": 4, "minute": 2}
